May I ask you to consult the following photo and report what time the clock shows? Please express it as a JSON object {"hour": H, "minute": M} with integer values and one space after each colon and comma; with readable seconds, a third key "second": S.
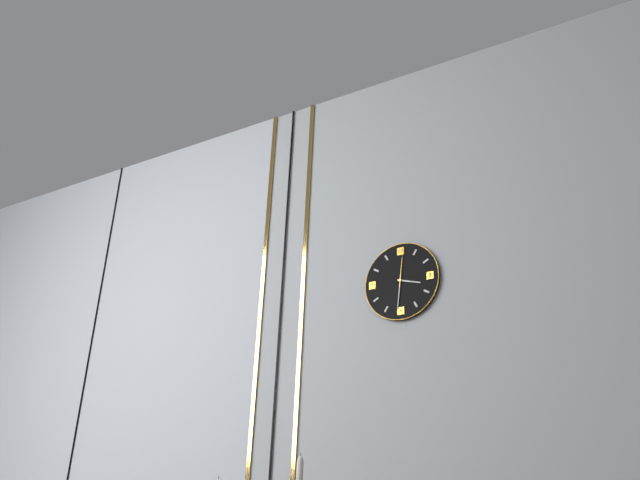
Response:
{"hour": 3, "minute": 31}
